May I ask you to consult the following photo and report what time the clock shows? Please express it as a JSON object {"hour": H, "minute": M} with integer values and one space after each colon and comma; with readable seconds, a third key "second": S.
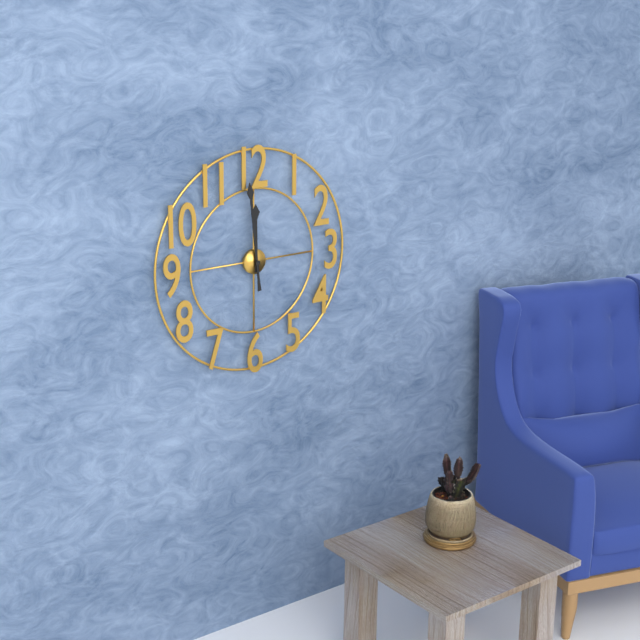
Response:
{"hour": 11, "minute": 59}
